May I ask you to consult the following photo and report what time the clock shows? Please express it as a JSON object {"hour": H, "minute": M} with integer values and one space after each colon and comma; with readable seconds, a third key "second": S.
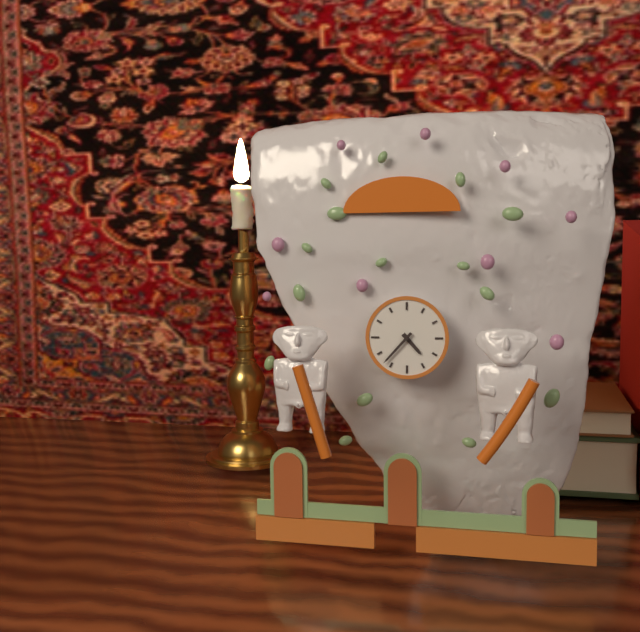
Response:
{"hour": 4, "minute": 37}
